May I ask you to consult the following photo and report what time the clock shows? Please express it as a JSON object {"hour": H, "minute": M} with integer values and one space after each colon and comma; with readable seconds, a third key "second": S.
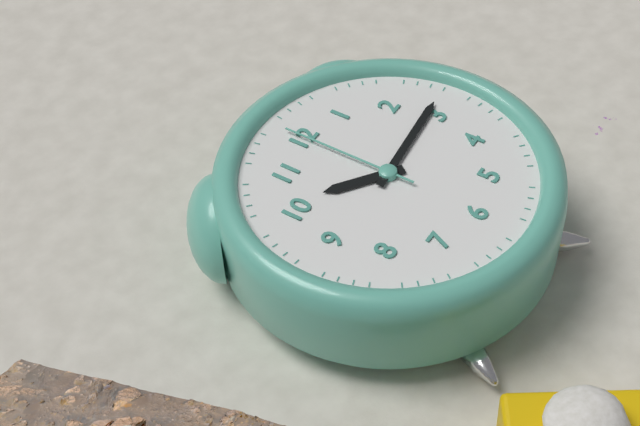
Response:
{"hour": 10, "minute": 14, "second": 0}
